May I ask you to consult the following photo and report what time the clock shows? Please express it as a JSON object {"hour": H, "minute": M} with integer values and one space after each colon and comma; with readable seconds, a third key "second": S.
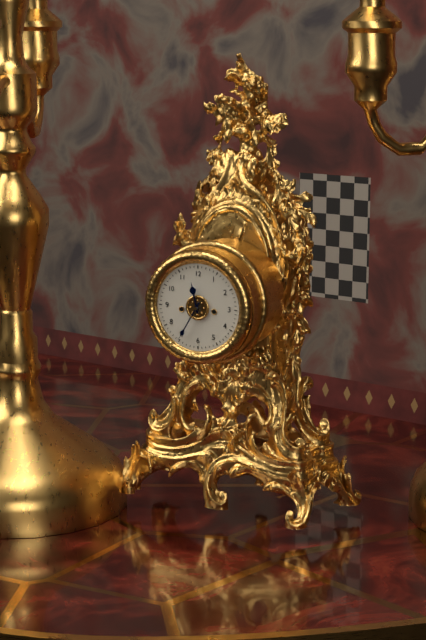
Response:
{"hour": 11, "minute": 35}
